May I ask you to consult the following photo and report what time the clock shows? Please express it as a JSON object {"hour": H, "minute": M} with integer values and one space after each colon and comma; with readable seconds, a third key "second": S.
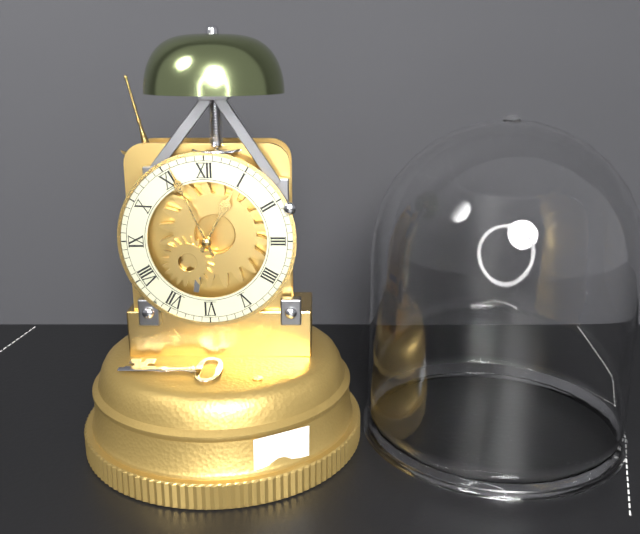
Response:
{"hour": 12, "minute": 56}
